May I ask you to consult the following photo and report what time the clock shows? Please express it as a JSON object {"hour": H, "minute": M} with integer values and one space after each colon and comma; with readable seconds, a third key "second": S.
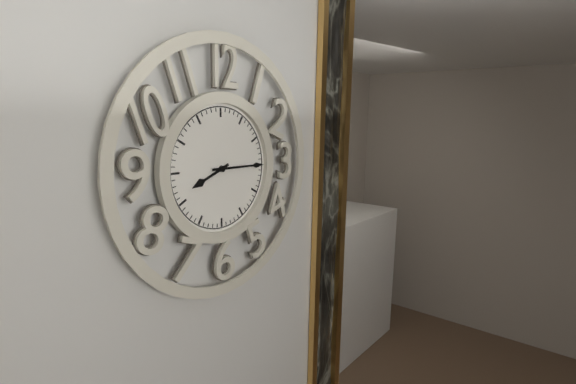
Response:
{"hour": 8, "minute": 15}
